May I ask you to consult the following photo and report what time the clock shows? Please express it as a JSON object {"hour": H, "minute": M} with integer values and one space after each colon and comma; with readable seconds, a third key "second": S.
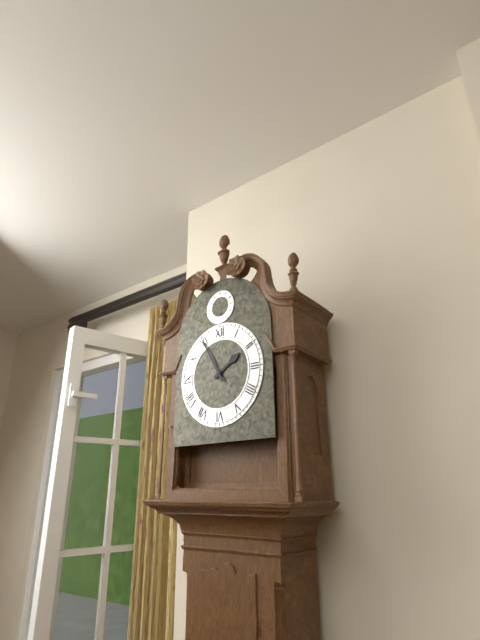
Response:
{"hour": 1, "minute": 55}
